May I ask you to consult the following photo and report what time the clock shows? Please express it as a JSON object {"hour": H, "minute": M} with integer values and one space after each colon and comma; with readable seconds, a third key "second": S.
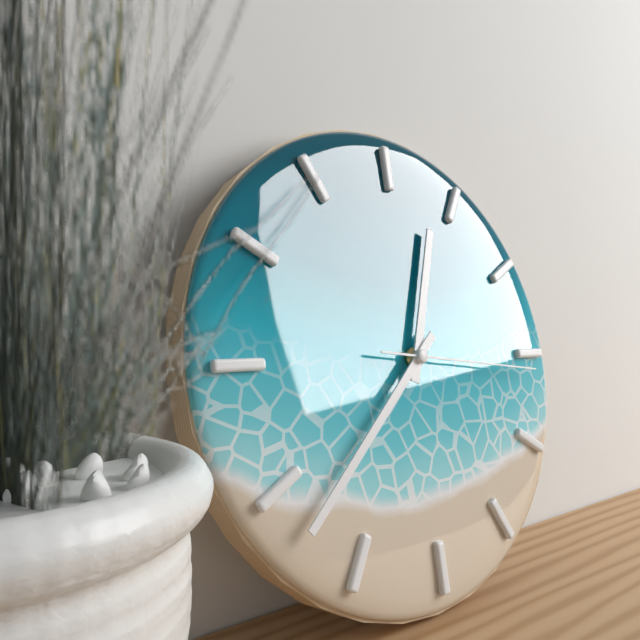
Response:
{"hour": 12, "minute": 38, "second": 16}
